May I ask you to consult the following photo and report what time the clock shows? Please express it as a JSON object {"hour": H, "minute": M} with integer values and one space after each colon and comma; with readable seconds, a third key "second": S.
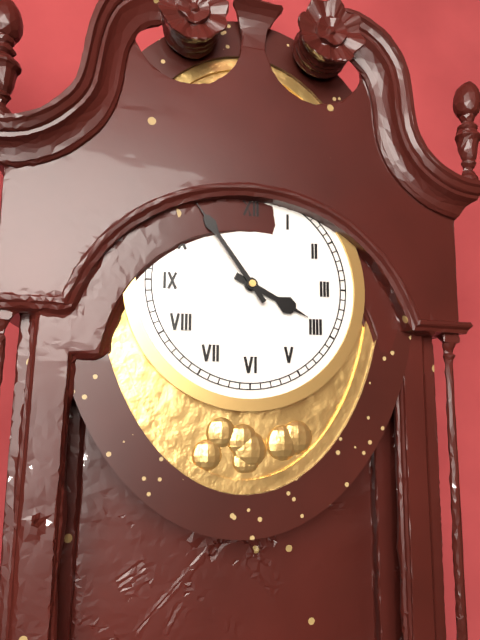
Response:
{"hour": 3, "minute": 54}
